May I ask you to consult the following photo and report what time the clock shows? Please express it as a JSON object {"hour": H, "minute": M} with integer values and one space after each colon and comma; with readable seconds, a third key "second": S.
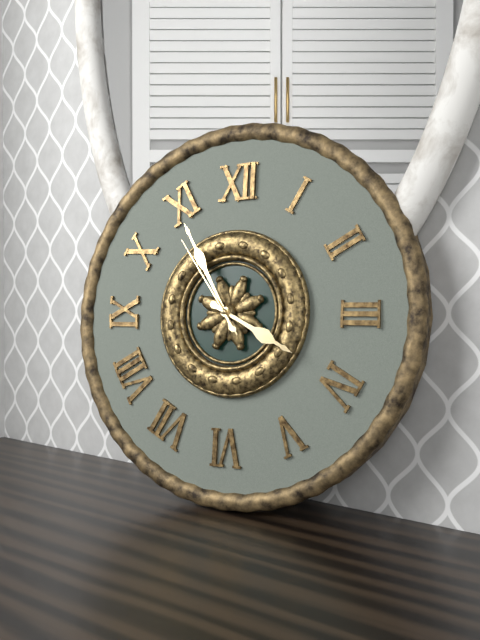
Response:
{"hour": 3, "minute": 55, "second": 54}
